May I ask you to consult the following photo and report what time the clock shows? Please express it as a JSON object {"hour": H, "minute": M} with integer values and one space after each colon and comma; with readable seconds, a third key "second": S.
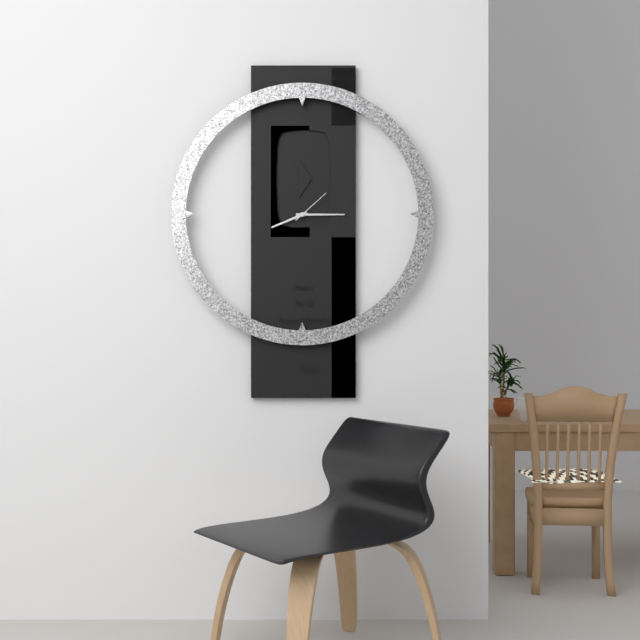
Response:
{"hour": 8, "minute": 15}
